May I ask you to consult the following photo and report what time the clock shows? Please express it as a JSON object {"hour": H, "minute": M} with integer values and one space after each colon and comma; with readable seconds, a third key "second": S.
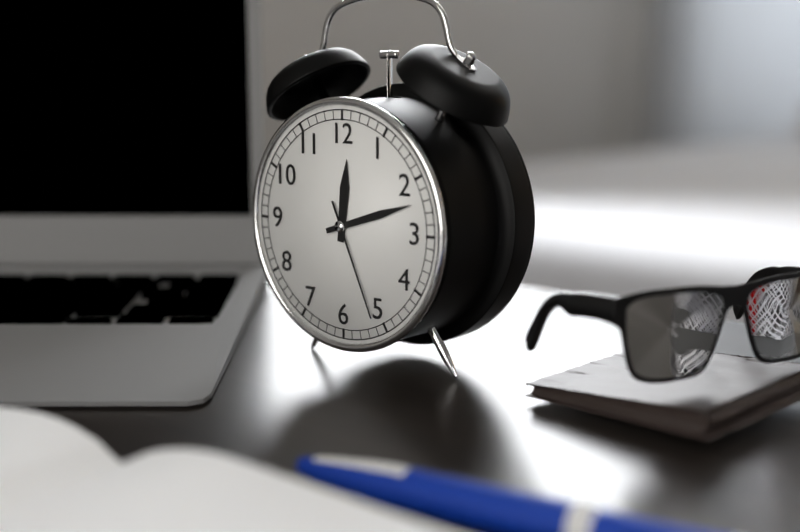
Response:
{"hour": 12, "minute": 12, "second": 26}
